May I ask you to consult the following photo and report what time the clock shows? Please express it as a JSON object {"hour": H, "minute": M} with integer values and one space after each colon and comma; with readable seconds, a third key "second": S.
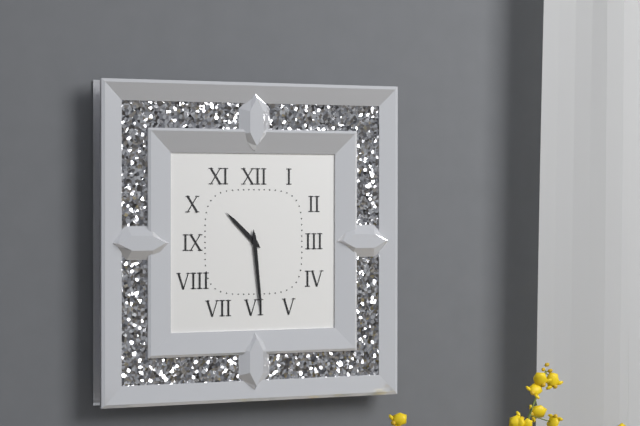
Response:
{"hour": 10, "minute": 29}
